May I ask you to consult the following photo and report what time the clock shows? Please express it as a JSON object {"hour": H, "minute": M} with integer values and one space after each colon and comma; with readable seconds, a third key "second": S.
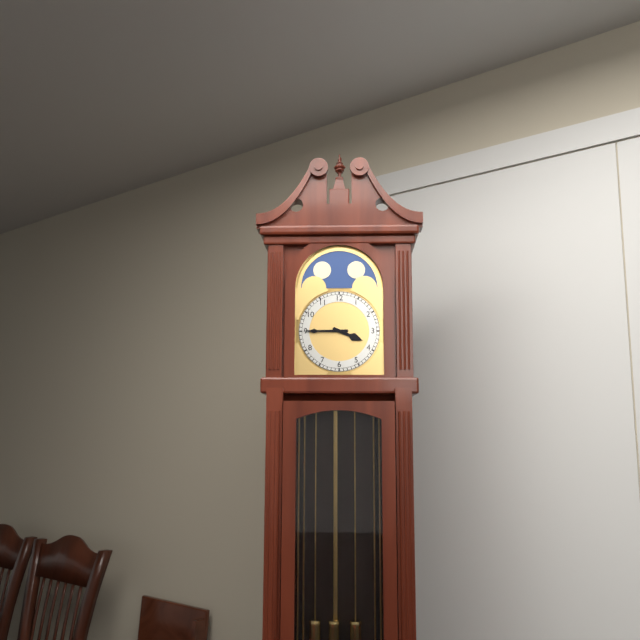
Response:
{"hour": 3, "minute": 45}
